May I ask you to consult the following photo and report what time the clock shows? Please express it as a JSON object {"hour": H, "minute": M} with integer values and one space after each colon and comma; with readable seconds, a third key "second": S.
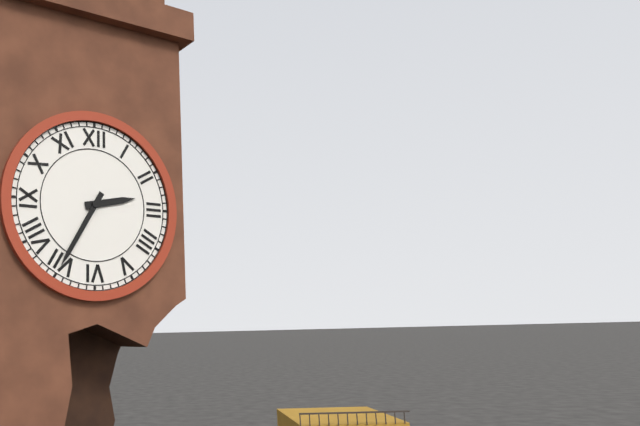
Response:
{"hour": 2, "minute": 35}
